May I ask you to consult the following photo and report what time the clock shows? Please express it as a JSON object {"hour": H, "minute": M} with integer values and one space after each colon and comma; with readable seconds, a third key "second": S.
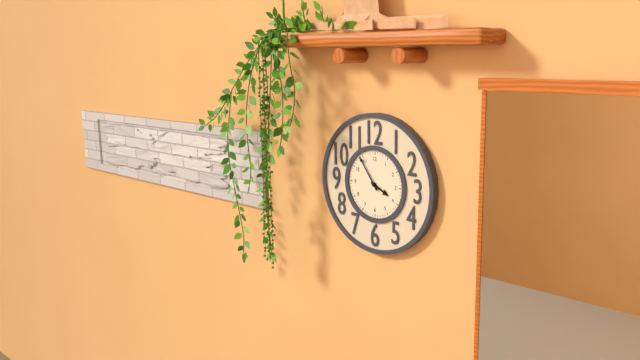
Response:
{"hour": 3, "minute": 54}
